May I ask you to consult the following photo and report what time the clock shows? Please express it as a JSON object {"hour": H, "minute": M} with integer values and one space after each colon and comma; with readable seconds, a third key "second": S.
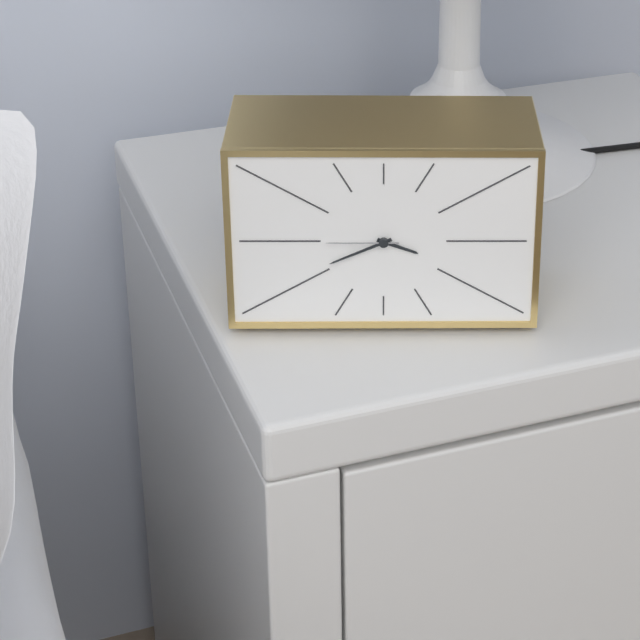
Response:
{"hour": 3, "minute": 41, "second": 45}
